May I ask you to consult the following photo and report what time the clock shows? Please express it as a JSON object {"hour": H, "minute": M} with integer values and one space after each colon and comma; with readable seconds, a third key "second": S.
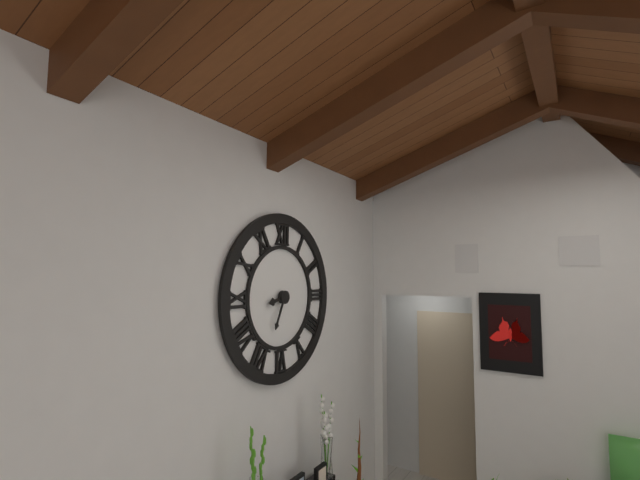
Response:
{"hour": 8, "minute": 34}
